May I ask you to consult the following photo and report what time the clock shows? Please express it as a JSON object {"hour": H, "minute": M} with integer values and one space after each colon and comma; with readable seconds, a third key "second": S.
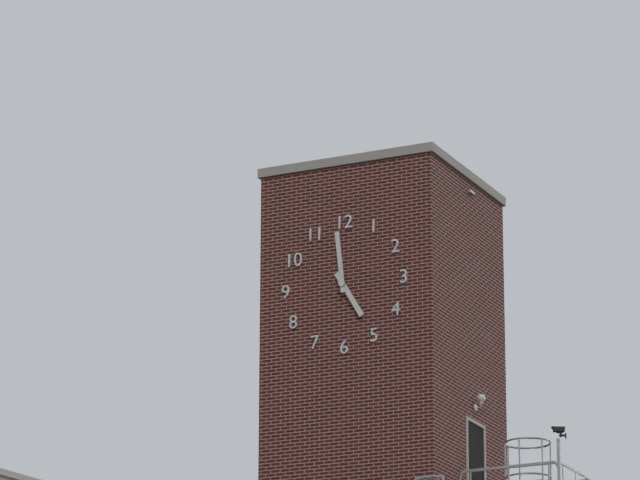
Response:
{"hour": 4, "minute": 59}
